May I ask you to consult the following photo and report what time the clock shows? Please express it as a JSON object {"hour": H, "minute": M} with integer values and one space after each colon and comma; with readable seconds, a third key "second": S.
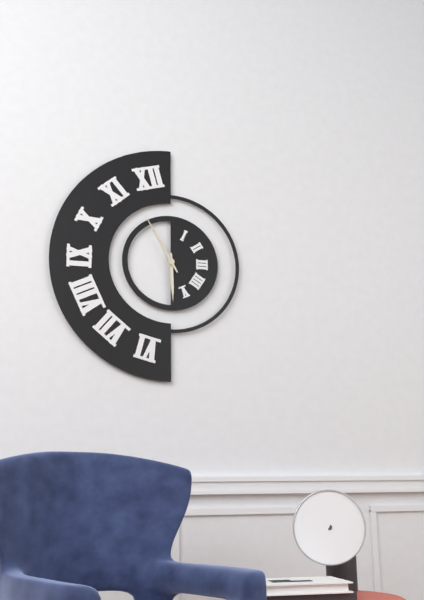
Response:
{"hour": 5, "minute": 55}
